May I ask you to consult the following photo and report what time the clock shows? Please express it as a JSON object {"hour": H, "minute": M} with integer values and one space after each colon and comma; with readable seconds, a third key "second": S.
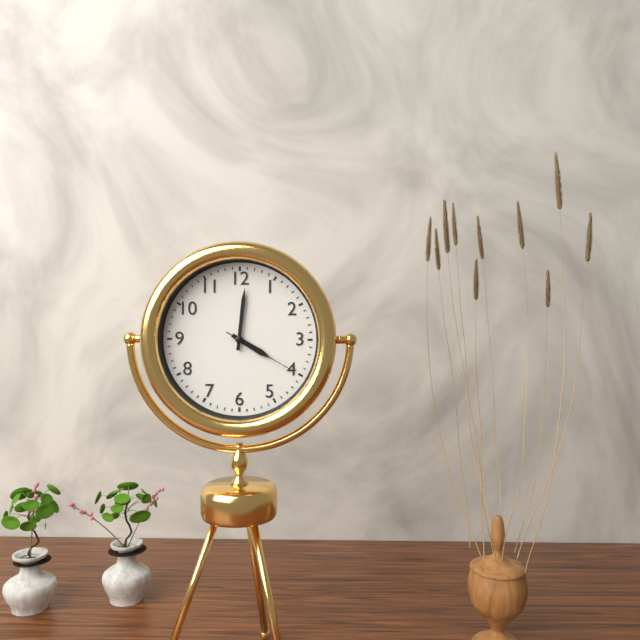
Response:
{"hour": 4, "minute": 1, "second": 20}
